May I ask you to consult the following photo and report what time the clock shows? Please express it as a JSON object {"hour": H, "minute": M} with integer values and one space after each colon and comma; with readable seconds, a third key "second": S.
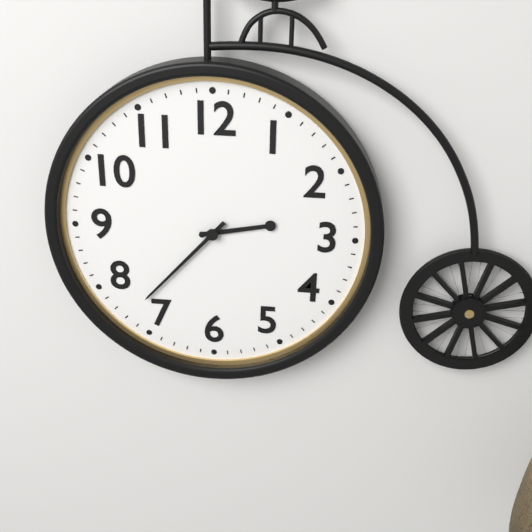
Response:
{"hour": 2, "minute": 37}
